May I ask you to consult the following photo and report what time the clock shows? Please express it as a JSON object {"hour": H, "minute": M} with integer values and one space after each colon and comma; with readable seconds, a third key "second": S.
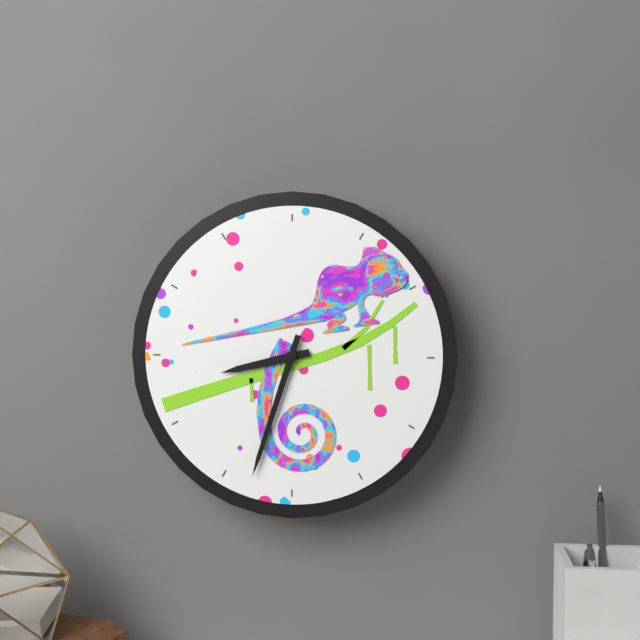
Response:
{"hour": 8, "minute": 33}
